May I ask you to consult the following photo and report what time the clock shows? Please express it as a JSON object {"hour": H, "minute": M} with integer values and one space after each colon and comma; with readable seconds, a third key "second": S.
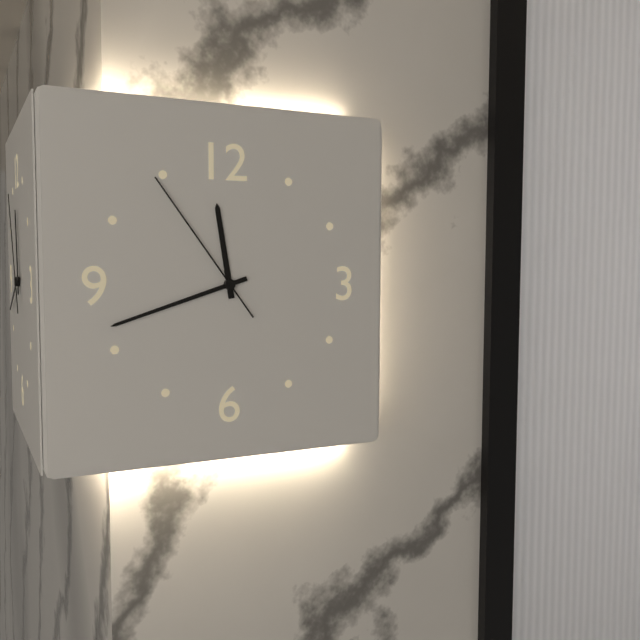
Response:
{"hour": 11, "minute": 42, "second": 54}
